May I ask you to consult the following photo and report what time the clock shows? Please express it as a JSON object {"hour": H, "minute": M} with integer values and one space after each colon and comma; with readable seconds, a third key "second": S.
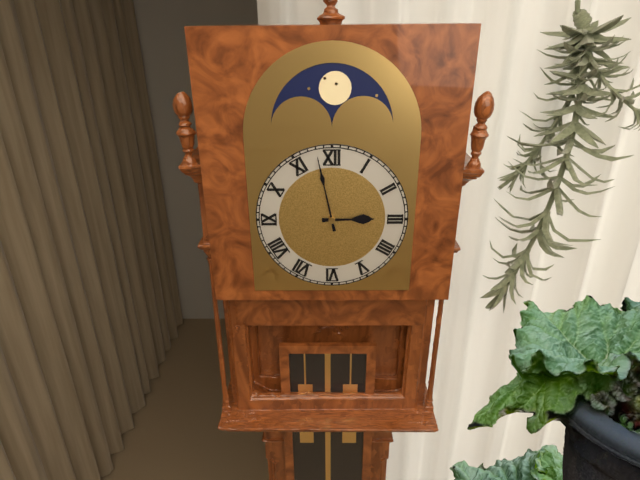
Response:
{"hour": 2, "minute": 58}
